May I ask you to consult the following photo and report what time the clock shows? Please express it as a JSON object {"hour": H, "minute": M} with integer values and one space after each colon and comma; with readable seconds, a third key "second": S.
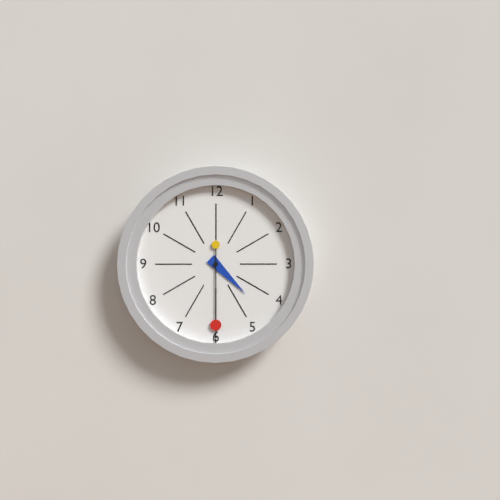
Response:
{"hour": 4, "minute": 30}
